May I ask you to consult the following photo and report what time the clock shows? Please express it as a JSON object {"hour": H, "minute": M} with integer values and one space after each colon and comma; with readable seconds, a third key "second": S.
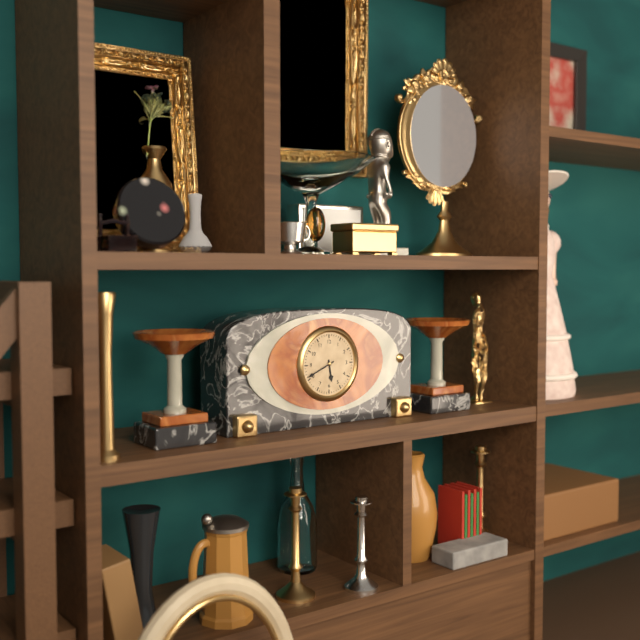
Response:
{"hour": 5, "minute": 41}
